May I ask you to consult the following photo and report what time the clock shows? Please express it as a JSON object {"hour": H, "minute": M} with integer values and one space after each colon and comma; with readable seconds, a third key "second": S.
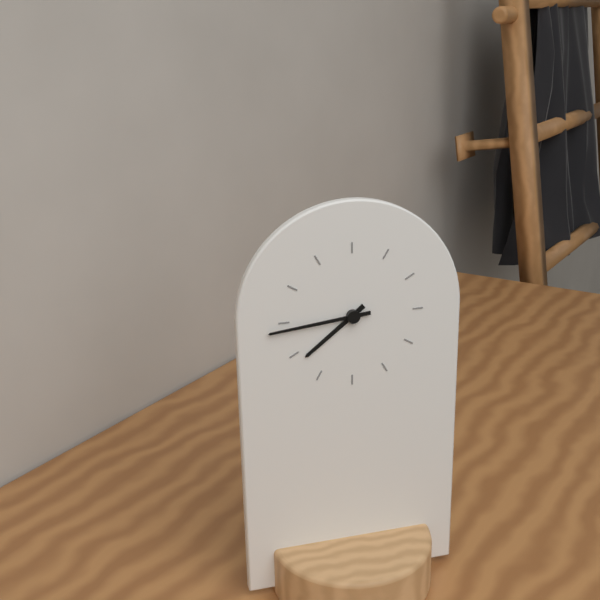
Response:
{"hour": 7, "minute": 44}
